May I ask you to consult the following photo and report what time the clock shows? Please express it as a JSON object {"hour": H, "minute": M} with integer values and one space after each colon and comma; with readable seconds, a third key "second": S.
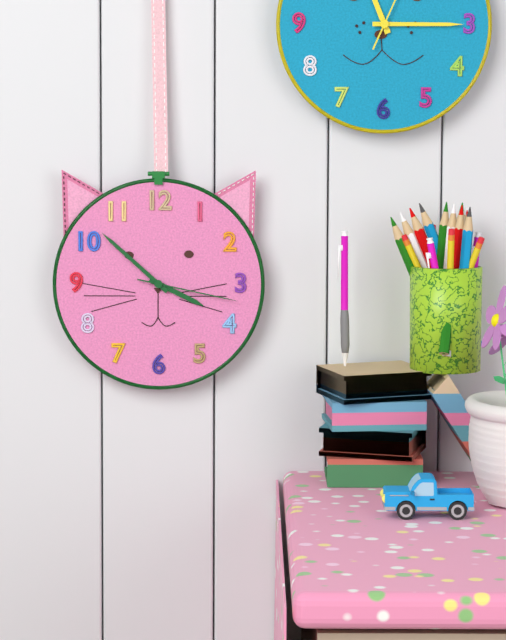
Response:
{"hour": 3, "minute": 52, "second": 17}
